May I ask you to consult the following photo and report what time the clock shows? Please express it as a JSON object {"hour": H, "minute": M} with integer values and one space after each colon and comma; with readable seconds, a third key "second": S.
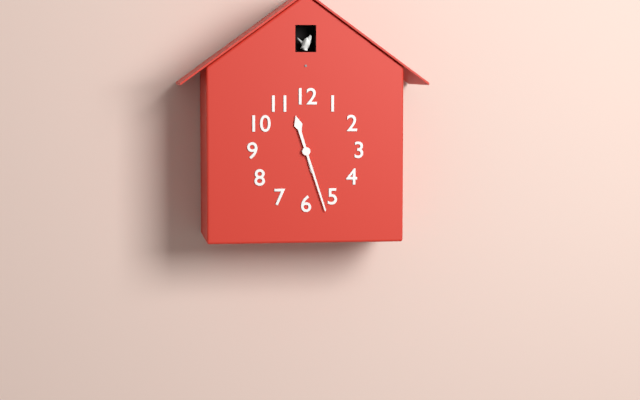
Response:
{"hour": 11, "minute": 27}
